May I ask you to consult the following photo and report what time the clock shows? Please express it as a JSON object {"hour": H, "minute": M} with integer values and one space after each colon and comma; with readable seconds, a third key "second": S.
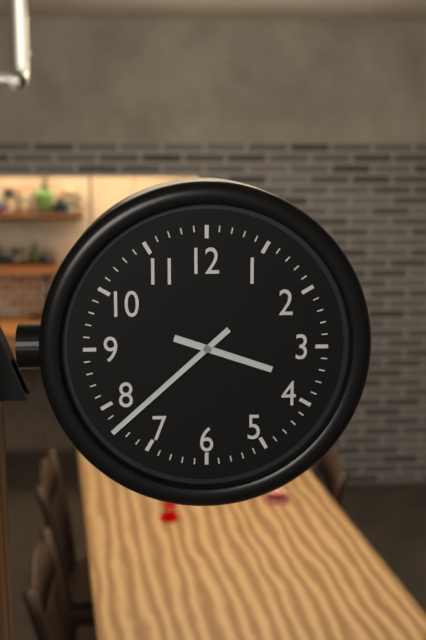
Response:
{"hour": 3, "minute": 38}
